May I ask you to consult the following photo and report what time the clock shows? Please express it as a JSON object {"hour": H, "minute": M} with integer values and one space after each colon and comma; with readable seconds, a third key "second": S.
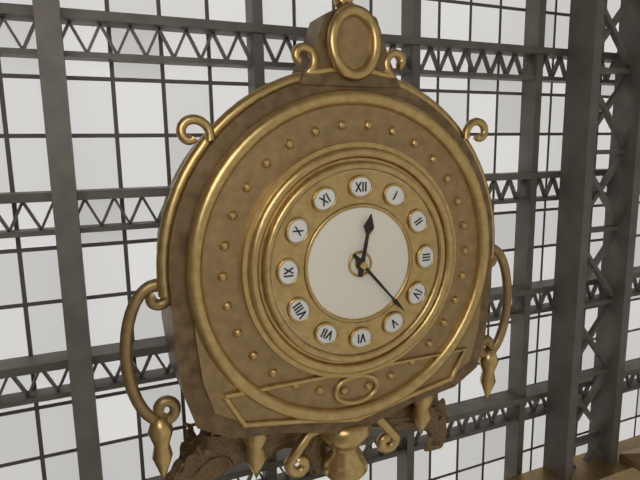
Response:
{"hour": 12, "minute": 23}
